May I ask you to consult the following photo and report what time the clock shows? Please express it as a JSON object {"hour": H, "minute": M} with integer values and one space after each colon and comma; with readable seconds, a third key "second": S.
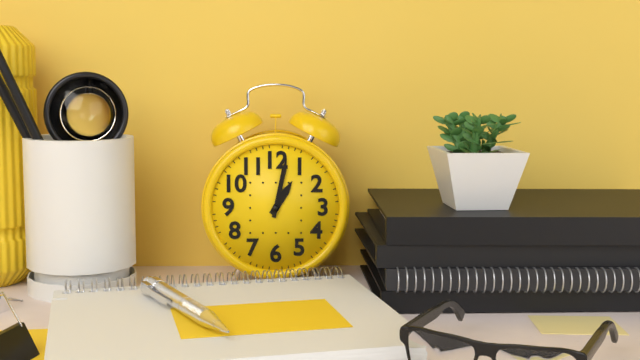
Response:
{"hour": 1, "minute": 2}
